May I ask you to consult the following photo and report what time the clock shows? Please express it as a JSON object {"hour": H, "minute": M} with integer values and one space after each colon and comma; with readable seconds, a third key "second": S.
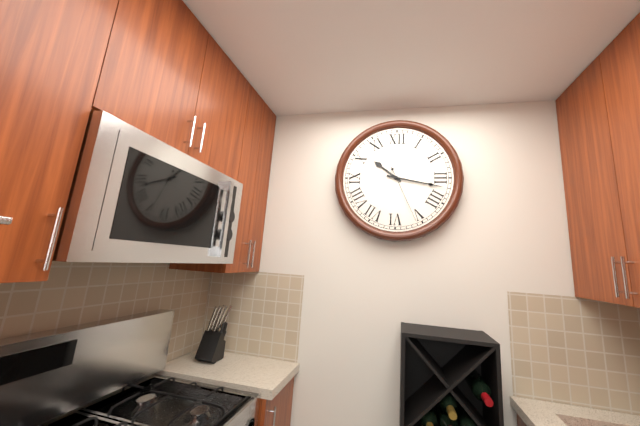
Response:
{"hour": 10, "minute": 17, "second": 26}
